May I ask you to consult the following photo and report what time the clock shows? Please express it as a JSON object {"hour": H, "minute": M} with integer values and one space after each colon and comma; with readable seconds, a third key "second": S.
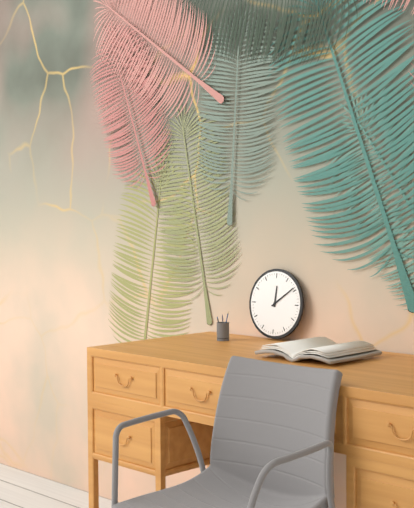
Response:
{"hour": 12, "minute": 9}
